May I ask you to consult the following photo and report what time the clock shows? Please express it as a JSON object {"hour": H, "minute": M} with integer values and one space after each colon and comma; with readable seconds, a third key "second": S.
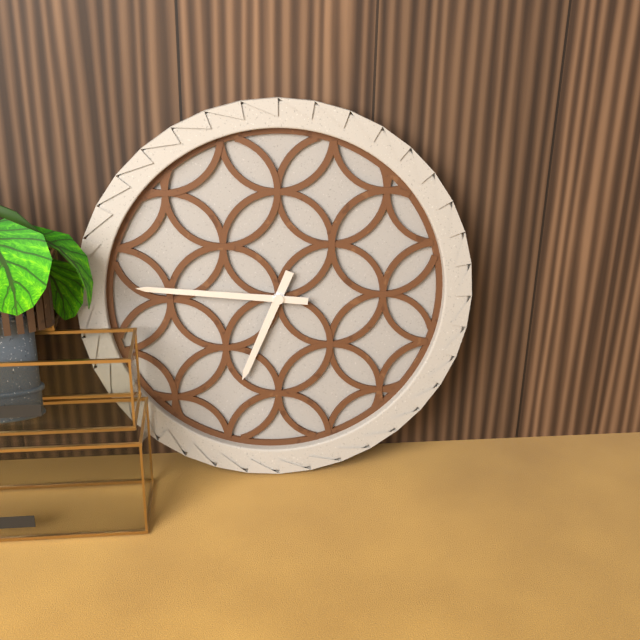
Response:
{"hour": 6, "minute": 46}
